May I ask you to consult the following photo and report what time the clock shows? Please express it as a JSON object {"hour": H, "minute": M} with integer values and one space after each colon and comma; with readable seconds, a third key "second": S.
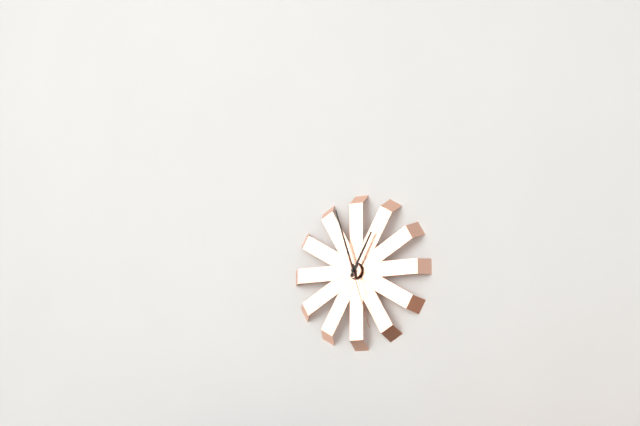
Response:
{"hour": 12, "minute": 57, "second": 27}
